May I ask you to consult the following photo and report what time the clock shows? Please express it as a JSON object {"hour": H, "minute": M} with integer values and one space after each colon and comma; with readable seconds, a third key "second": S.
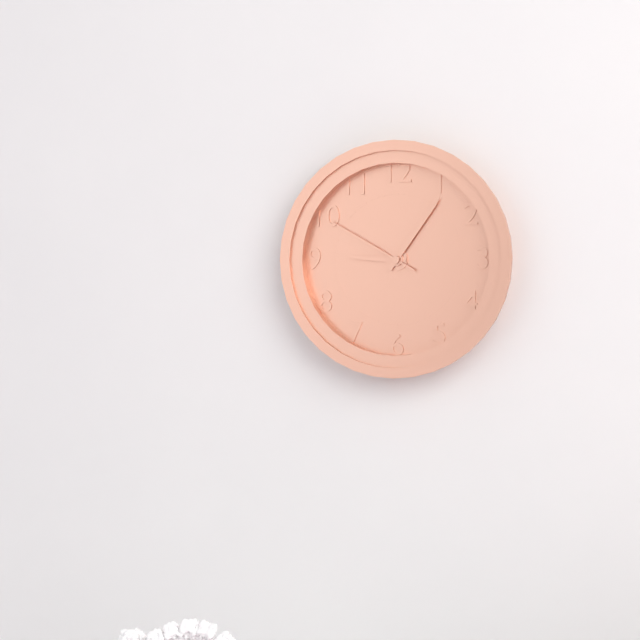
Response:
{"hour": 9, "minute": 6, "second": 50}
